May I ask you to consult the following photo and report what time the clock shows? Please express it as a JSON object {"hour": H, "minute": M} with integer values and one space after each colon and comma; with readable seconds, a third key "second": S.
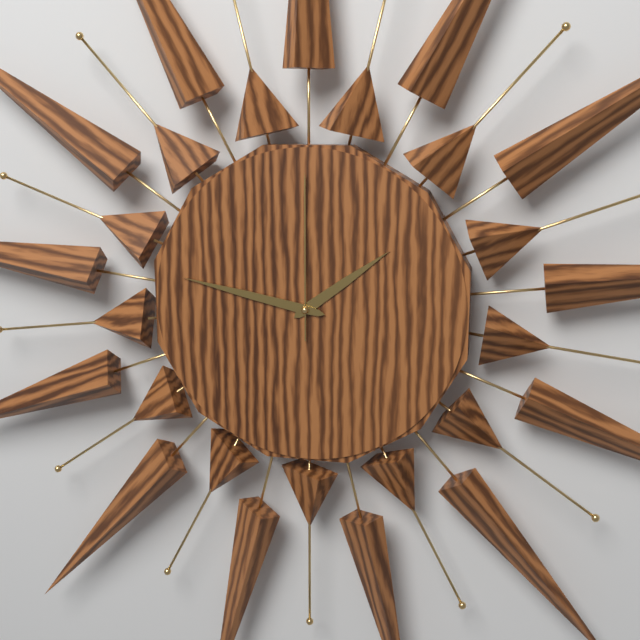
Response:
{"hour": 1, "minute": 47, "second": 0}
